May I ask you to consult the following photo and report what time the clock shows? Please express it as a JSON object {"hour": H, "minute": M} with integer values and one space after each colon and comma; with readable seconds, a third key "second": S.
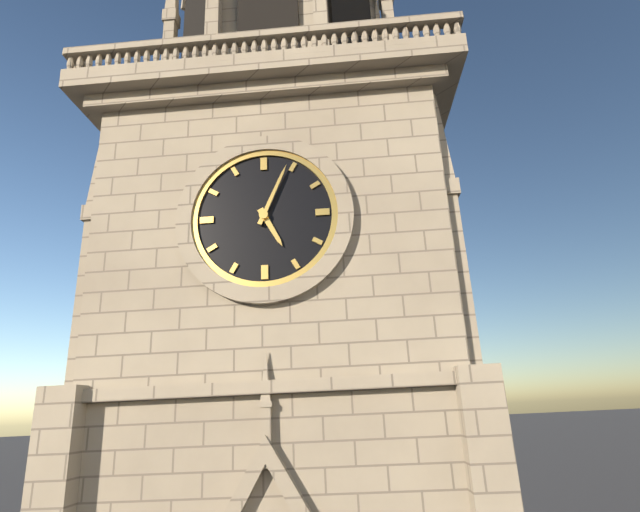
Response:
{"hour": 5, "minute": 4}
